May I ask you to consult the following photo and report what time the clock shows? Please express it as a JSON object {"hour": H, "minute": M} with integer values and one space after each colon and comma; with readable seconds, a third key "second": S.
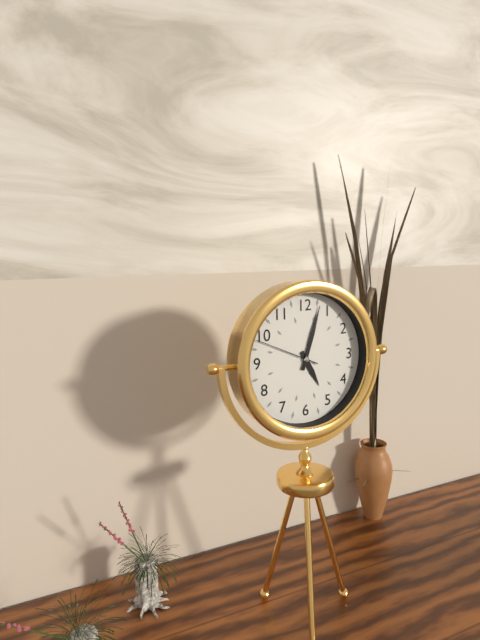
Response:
{"hour": 5, "minute": 3, "second": 49}
